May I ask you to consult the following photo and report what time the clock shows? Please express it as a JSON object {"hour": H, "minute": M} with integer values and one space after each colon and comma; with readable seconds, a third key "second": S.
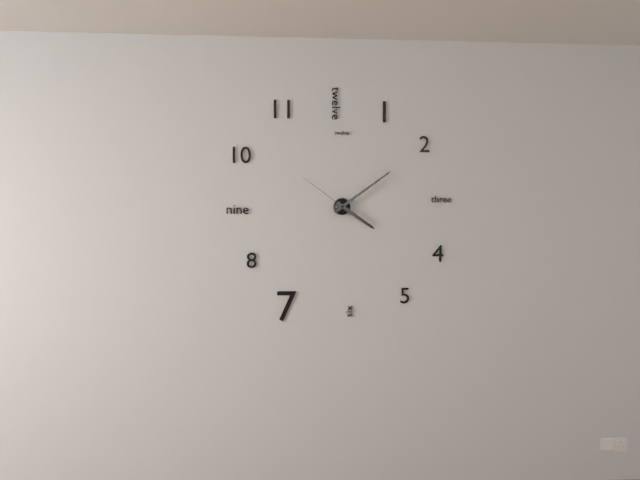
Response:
{"hour": 4, "minute": 9, "second": 51}
